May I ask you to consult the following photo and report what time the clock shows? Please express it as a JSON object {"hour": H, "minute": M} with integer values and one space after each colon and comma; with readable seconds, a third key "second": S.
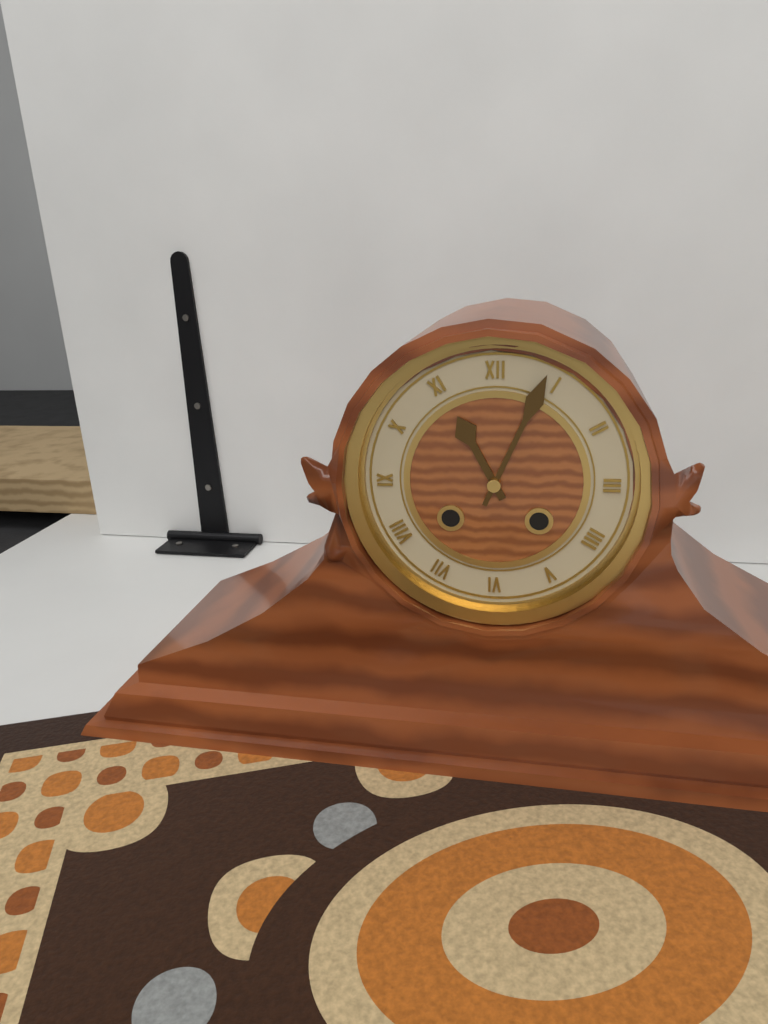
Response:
{"hour": 11, "minute": 4}
